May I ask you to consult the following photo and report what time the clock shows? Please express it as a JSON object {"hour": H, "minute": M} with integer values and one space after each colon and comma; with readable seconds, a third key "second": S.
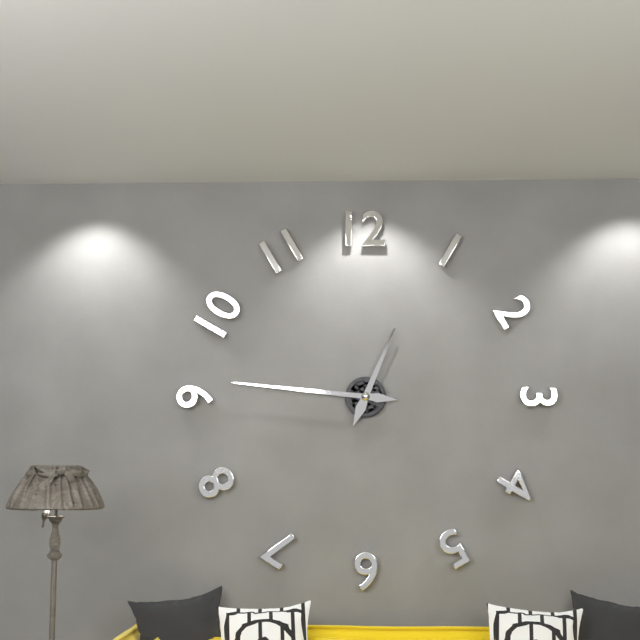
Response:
{"hour": 12, "minute": 46}
